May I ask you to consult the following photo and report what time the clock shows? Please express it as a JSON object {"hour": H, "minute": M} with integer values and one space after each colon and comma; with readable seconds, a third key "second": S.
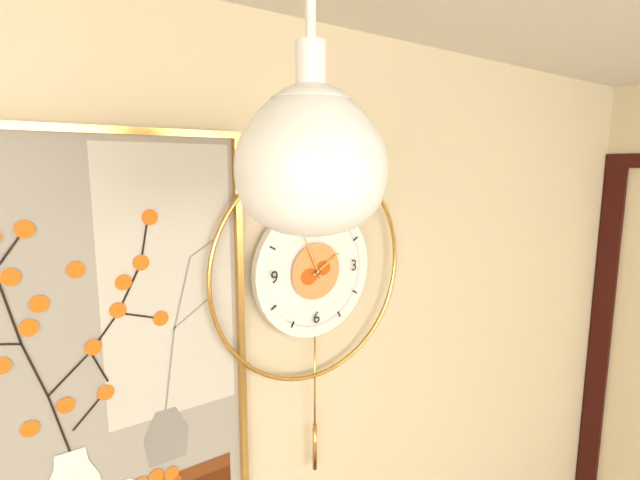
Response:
{"hour": 1, "minute": 56}
